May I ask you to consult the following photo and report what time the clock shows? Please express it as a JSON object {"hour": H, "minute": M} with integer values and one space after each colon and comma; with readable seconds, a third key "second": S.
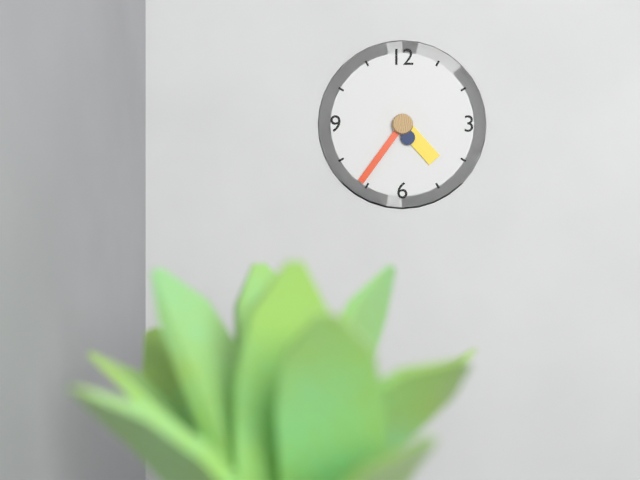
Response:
{"hour": 4, "minute": 36}
